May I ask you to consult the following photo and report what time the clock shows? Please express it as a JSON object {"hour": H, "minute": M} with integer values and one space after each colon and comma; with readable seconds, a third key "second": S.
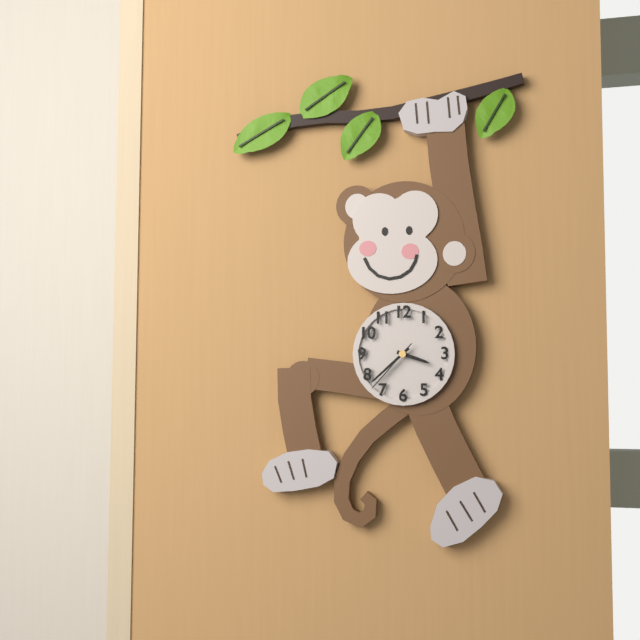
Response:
{"hour": 3, "minute": 38, "second": 37}
